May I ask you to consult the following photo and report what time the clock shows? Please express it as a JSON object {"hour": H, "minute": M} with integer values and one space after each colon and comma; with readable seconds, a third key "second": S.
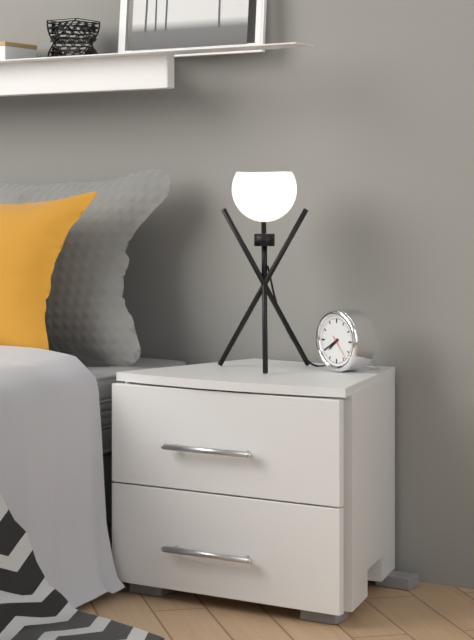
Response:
{"hour": 7, "minute": 40}
